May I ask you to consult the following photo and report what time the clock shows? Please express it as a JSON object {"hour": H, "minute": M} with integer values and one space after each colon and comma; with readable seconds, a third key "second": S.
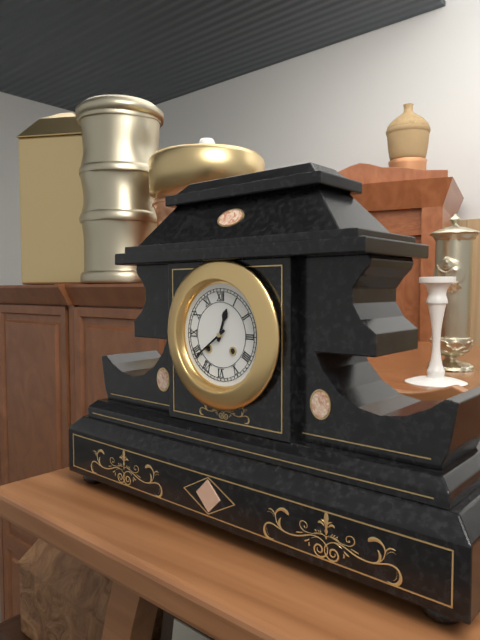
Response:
{"hour": 12, "minute": 39}
